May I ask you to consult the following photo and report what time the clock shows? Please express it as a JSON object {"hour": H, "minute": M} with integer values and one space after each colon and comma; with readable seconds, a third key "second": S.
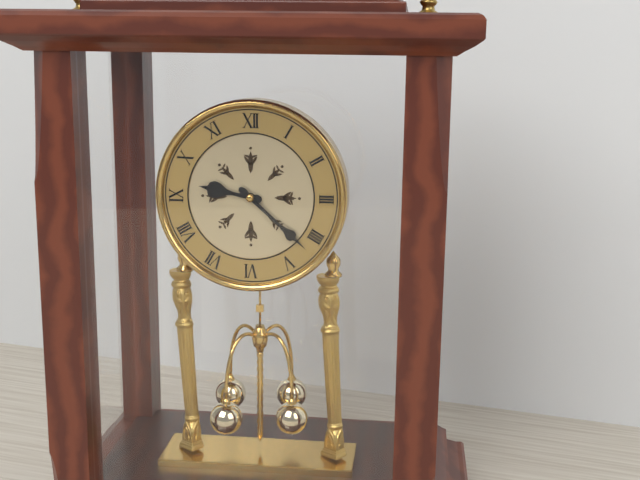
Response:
{"hour": 9, "minute": 22}
